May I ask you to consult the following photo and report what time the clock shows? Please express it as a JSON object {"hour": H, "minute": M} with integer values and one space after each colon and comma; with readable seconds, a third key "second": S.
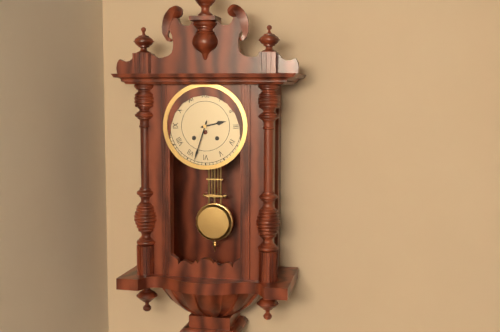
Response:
{"hour": 2, "minute": 33}
